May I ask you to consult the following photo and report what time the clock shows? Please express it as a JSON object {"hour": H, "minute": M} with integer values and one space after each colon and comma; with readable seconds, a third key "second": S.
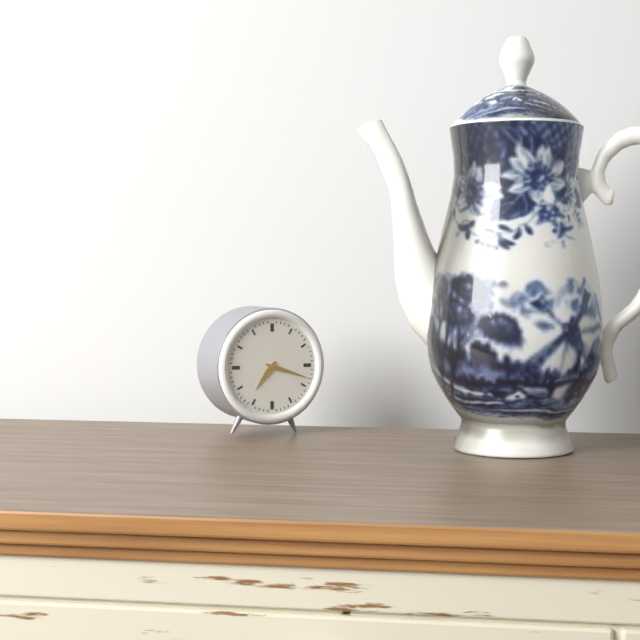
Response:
{"hour": 7, "minute": 18}
